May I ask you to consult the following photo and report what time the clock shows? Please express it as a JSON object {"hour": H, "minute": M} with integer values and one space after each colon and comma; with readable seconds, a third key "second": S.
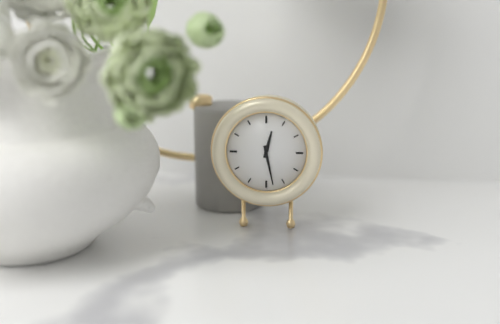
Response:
{"hour": 12, "minute": 28}
